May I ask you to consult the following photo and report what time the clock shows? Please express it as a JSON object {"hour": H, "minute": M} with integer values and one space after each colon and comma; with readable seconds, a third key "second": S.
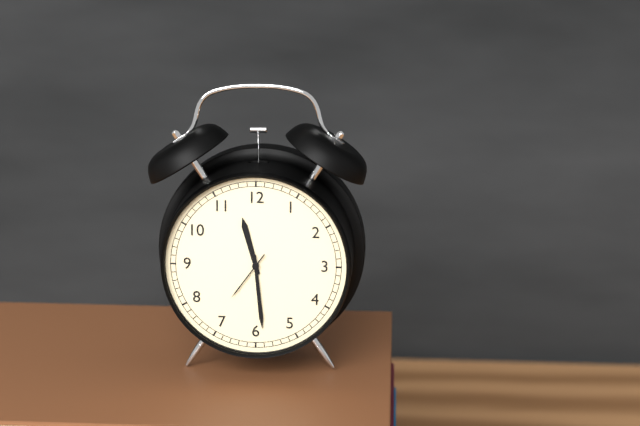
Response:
{"hour": 11, "minute": 29, "second": 36}
